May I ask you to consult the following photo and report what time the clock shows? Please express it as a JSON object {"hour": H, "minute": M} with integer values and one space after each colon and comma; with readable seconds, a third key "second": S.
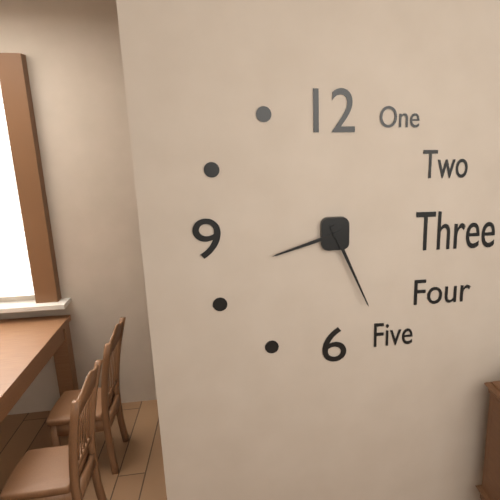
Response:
{"hour": 8, "minute": 26}
